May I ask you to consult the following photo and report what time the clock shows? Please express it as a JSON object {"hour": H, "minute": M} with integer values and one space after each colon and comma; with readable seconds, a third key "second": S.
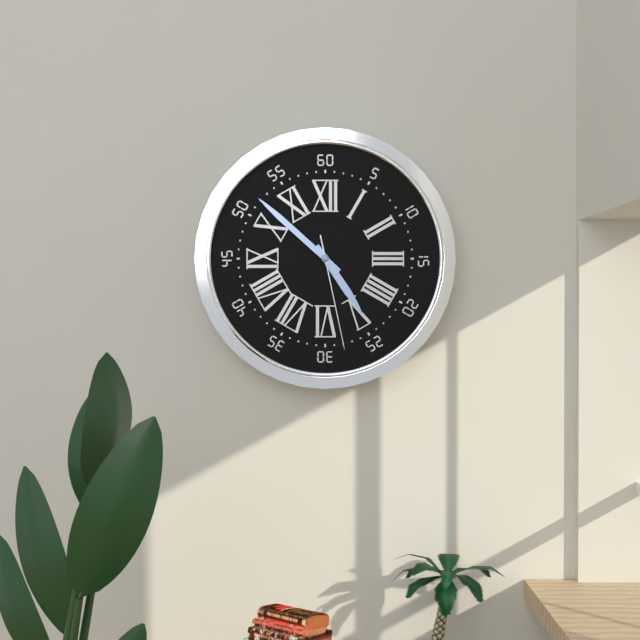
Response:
{"hour": 4, "minute": 52, "second": 28}
